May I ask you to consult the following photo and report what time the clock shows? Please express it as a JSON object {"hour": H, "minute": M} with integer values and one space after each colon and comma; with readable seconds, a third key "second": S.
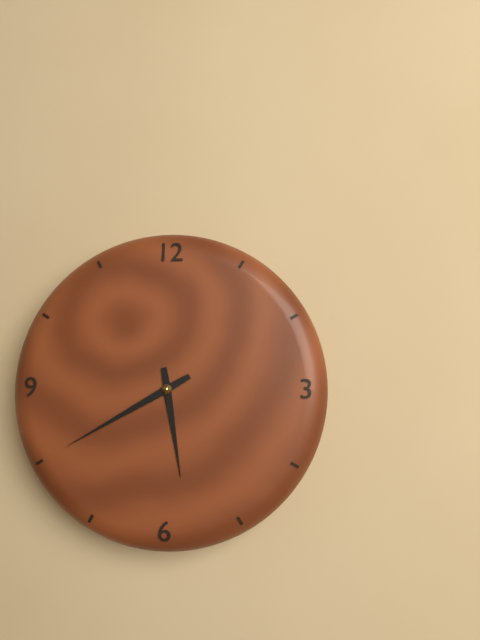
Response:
{"hour": 5, "minute": 40}
